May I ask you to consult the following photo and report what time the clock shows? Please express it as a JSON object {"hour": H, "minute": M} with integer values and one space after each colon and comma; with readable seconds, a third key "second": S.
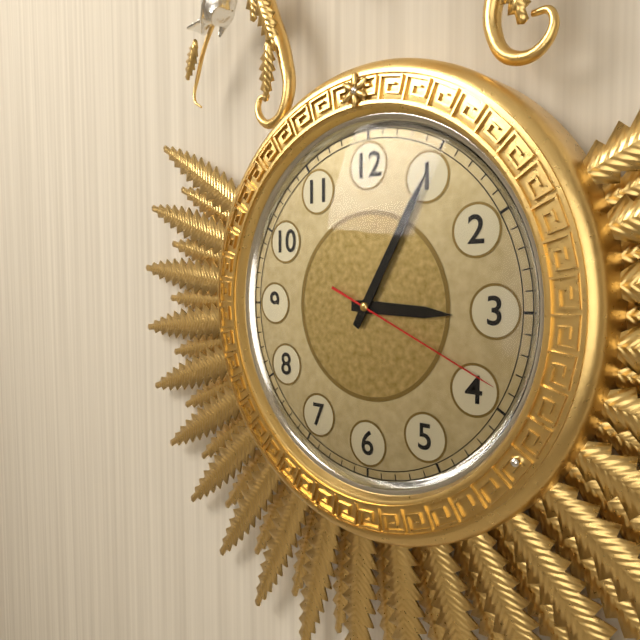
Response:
{"hour": 3, "minute": 5, "second": 19}
